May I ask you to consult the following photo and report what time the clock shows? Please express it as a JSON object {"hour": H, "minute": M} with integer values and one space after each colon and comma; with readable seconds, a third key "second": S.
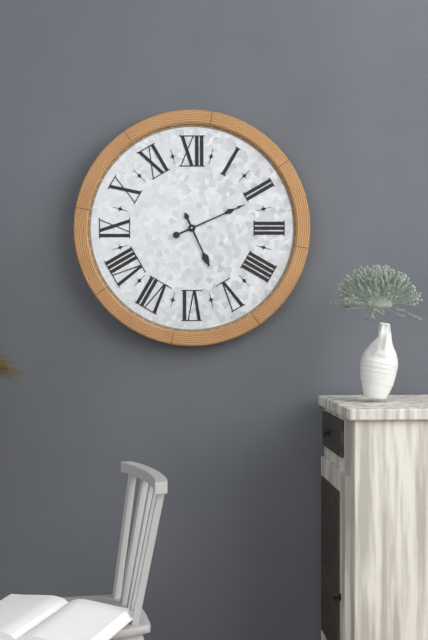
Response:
{"hour": 5, "minute": 11}
